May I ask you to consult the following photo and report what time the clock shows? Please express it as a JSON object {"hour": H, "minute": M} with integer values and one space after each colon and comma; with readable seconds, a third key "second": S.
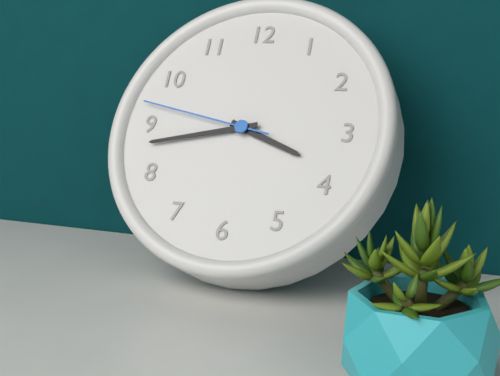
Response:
{"hour": 3, "minute": 43, "second": 47}
